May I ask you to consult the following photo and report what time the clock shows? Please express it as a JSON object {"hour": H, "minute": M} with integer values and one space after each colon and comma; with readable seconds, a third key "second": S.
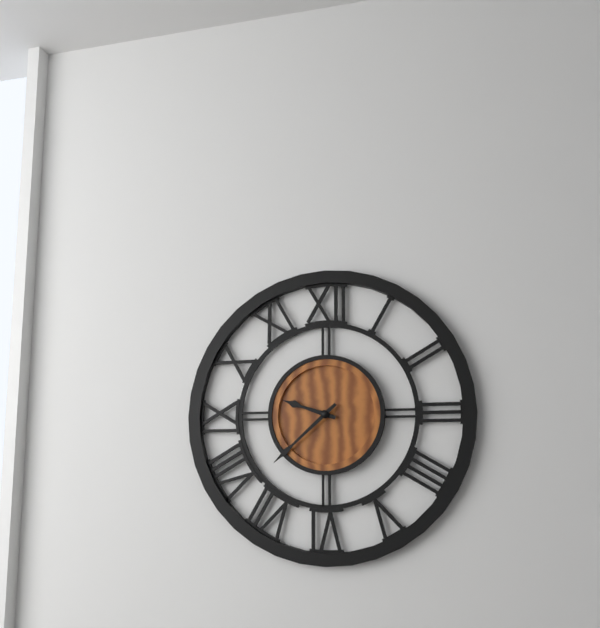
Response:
{"hour": 9, "minute": 38}
